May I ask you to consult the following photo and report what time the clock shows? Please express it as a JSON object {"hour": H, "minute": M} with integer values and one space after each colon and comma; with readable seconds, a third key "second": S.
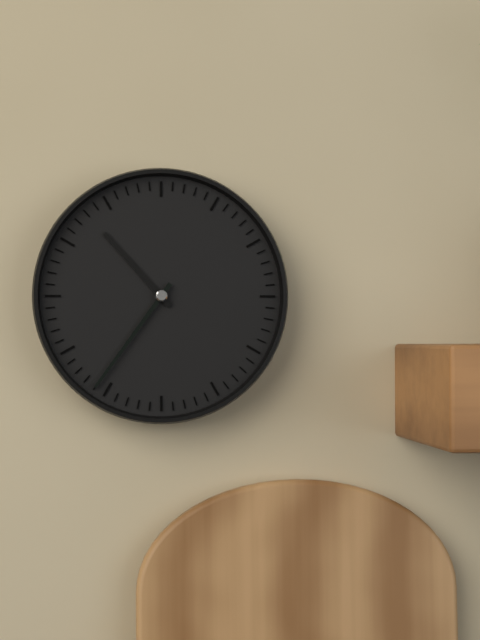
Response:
{"hour": 10, "minute": 36}
